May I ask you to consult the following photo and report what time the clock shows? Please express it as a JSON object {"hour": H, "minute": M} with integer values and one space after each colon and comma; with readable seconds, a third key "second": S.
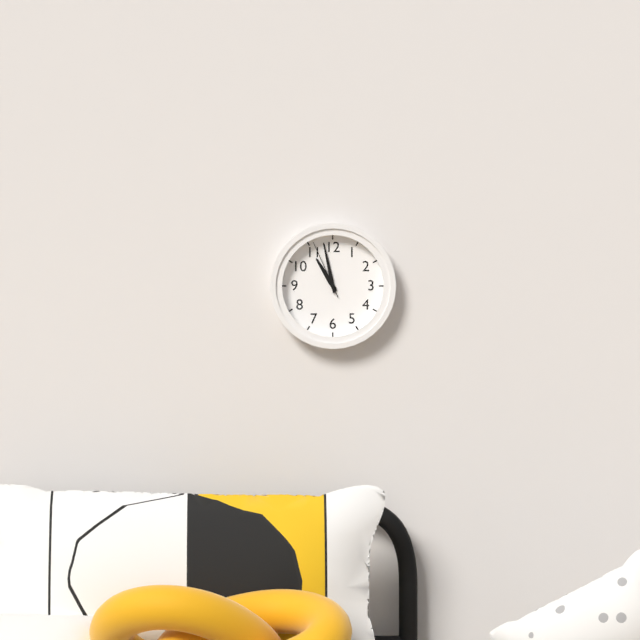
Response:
{"hour": 10, "minute": 58, "second": 56}
